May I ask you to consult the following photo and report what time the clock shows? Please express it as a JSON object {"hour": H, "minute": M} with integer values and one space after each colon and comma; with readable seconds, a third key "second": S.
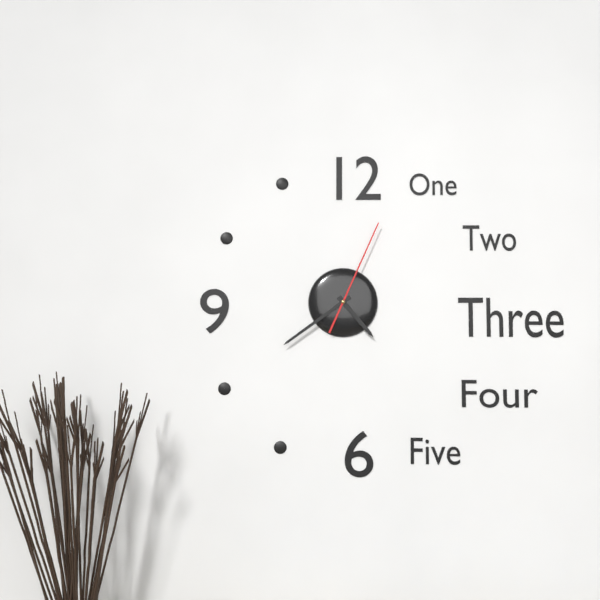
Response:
{"hour": 4, "minute": 39, "second": 4}
